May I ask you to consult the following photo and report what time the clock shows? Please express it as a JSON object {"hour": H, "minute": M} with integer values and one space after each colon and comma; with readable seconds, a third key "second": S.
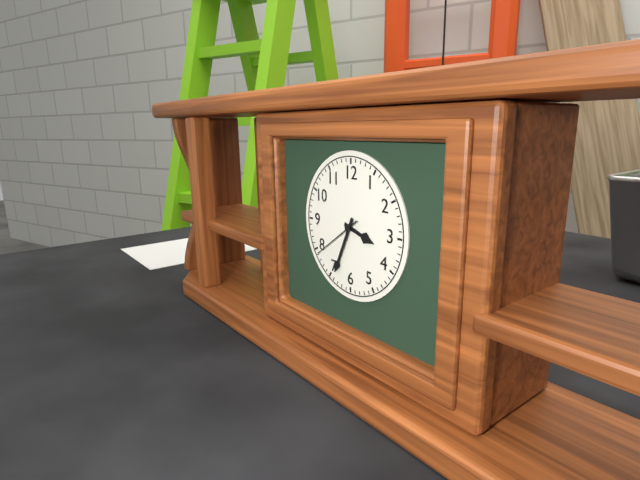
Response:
{"hour": 3, "minute": 34}
